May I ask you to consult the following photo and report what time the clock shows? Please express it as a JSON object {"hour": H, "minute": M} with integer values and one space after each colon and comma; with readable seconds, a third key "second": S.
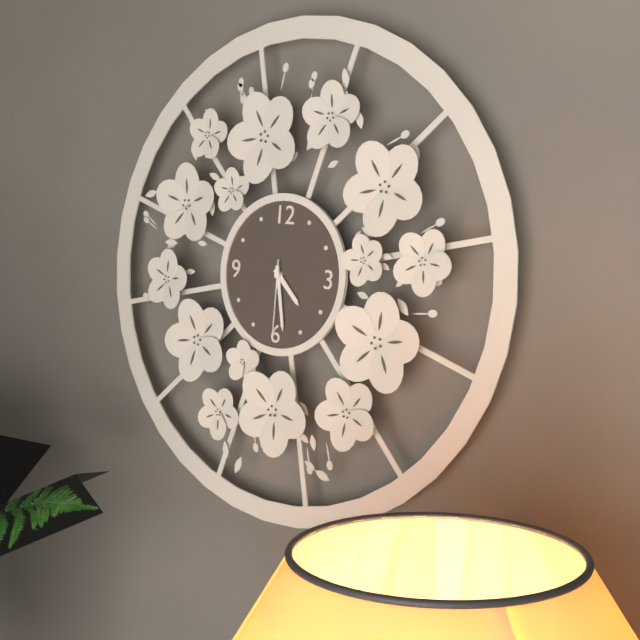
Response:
{"hour": 4, "minute": 28, "second": 30}
